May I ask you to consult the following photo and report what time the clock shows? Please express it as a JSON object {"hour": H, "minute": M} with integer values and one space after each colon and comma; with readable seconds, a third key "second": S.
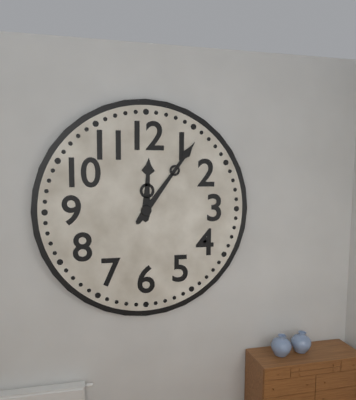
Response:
{"hour": 12, "minute": 6}
